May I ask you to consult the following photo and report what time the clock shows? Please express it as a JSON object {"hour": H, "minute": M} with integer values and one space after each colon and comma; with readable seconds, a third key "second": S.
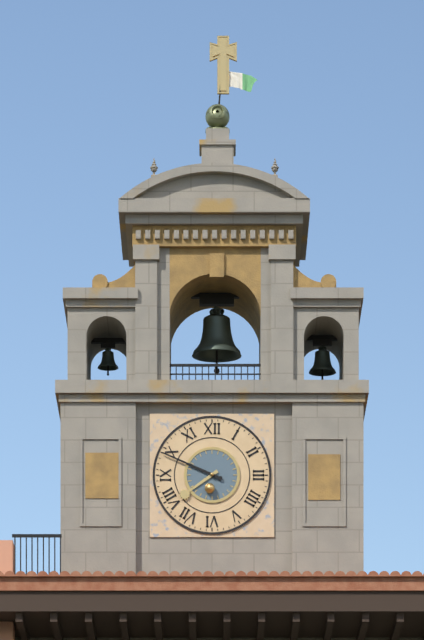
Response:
{"hour": 7, "minute": 49}
